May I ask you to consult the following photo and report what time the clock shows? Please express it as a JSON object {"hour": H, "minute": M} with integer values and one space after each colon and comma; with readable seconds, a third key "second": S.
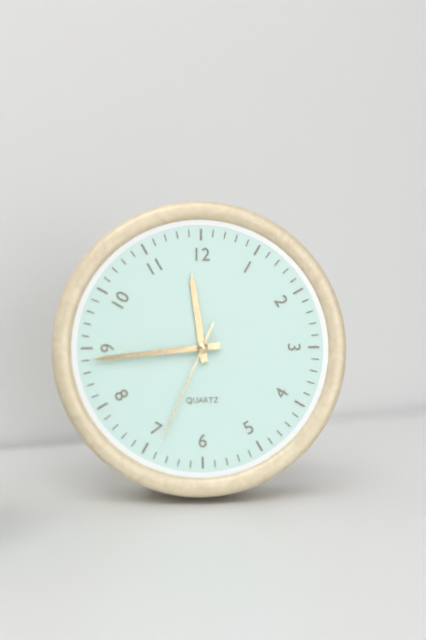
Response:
{"hour": 11, "minute": 44, "second": 34}
